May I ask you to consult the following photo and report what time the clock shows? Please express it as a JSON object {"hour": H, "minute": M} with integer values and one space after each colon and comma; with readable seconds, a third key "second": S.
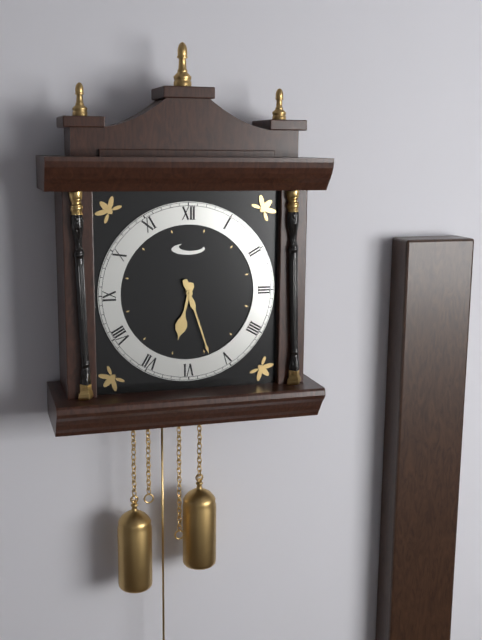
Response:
{"hour": 6, "minute": 27}
